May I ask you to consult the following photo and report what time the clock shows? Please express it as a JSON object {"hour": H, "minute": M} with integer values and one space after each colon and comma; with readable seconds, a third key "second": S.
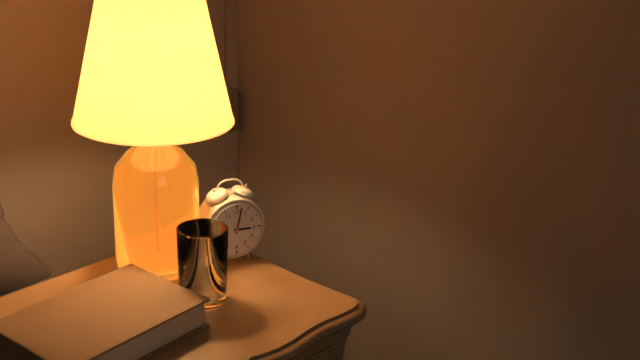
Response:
{"hour": 3, "minute": 2}
